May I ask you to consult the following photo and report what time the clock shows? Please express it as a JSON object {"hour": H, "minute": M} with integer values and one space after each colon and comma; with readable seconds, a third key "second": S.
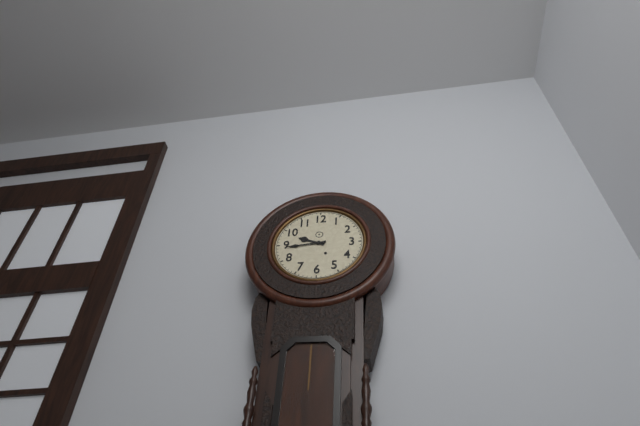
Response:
{"hour": 9, "minute": 44}
